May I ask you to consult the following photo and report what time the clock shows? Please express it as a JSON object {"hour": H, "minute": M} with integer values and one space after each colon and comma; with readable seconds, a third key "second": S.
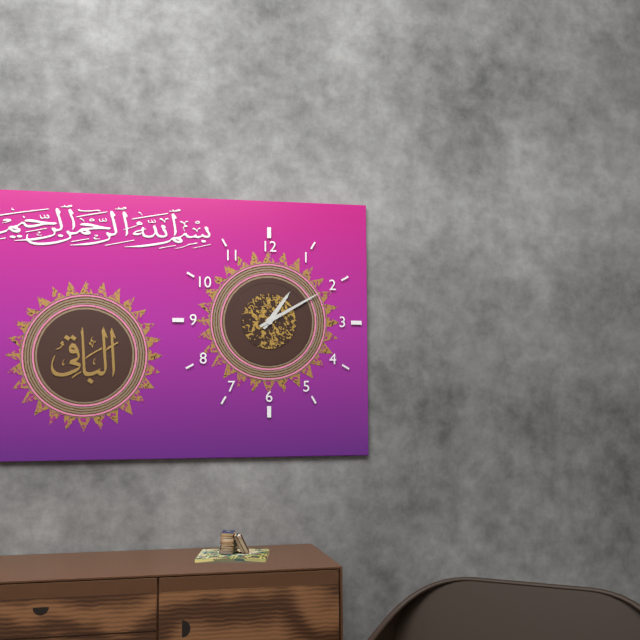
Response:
{"hour": 1, "minute": 10}
